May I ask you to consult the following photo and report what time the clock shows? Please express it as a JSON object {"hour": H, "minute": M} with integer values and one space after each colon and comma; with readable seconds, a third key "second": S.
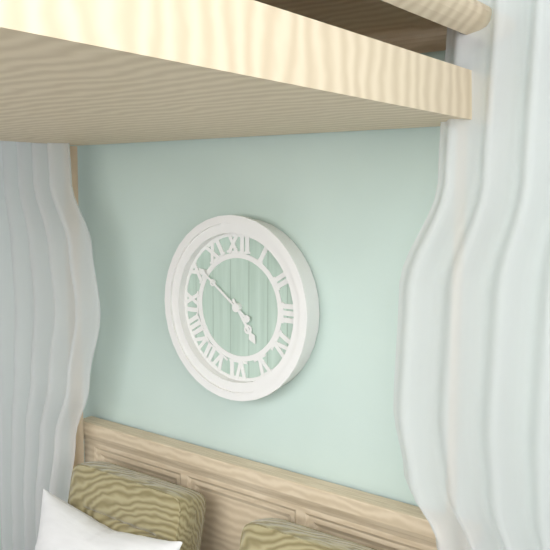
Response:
{"hour": 4, "minute": 51}
